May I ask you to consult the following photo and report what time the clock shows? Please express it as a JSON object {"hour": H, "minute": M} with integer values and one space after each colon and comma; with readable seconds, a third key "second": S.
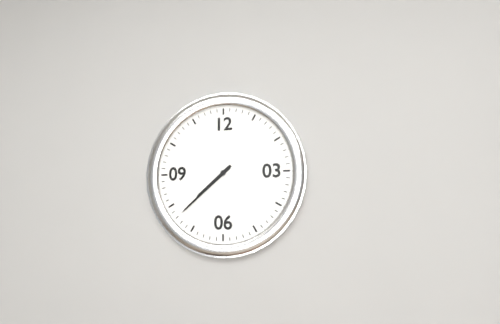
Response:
{"hour": 7, "minute": 38}
